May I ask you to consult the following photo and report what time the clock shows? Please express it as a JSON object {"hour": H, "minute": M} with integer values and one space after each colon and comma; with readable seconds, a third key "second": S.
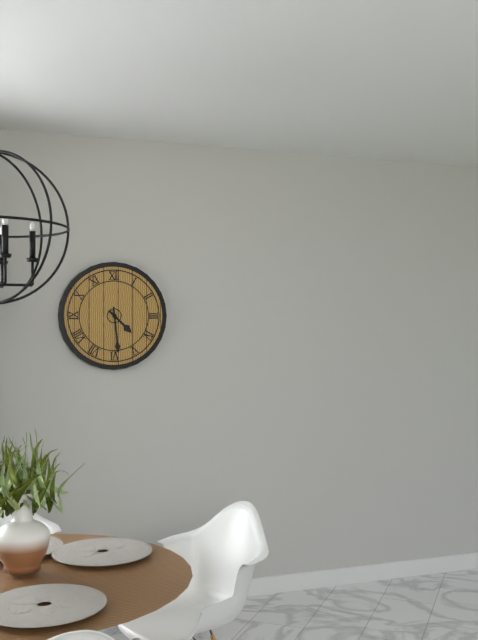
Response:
{"hour": 4, "minute": 29}
